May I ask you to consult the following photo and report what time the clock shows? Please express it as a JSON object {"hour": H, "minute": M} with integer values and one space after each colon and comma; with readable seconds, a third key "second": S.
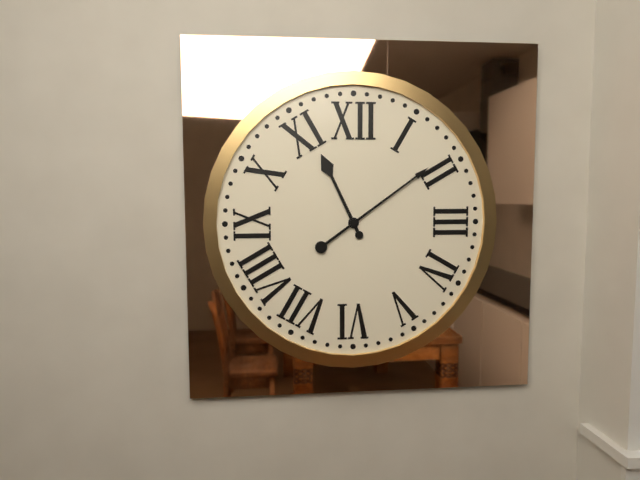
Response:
{"hour": 11, "minute": 9}
